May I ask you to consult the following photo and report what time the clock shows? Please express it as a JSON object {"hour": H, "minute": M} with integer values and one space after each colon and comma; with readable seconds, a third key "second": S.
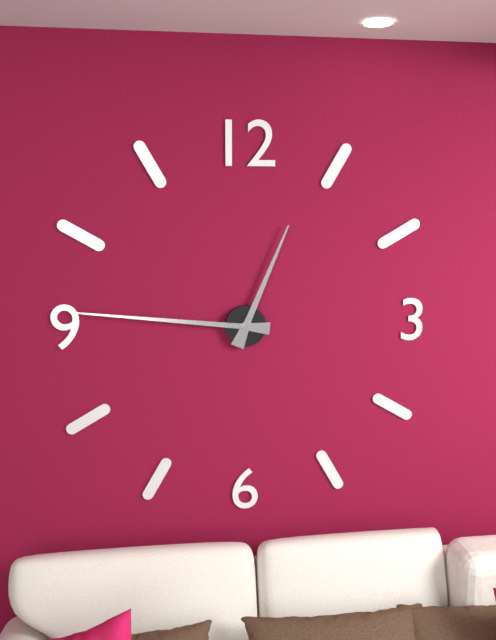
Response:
{"hour": 12, "minute": 46}
